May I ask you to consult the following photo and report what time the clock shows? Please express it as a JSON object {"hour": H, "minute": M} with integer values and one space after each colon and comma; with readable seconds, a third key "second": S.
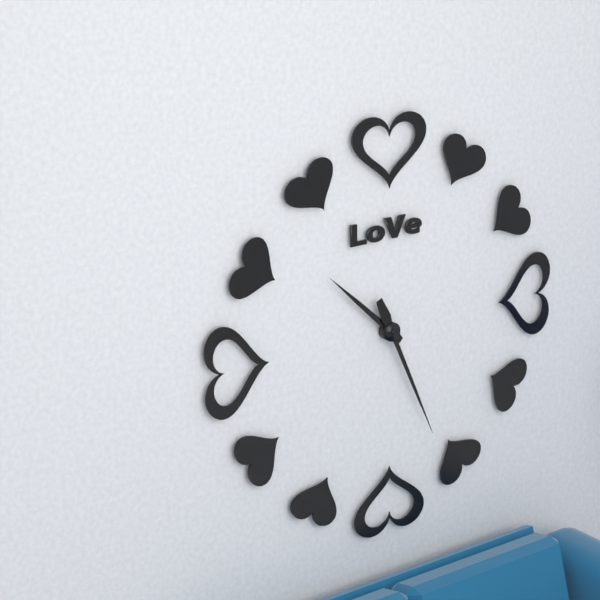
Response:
{"hour": 10, "minute": 26}
